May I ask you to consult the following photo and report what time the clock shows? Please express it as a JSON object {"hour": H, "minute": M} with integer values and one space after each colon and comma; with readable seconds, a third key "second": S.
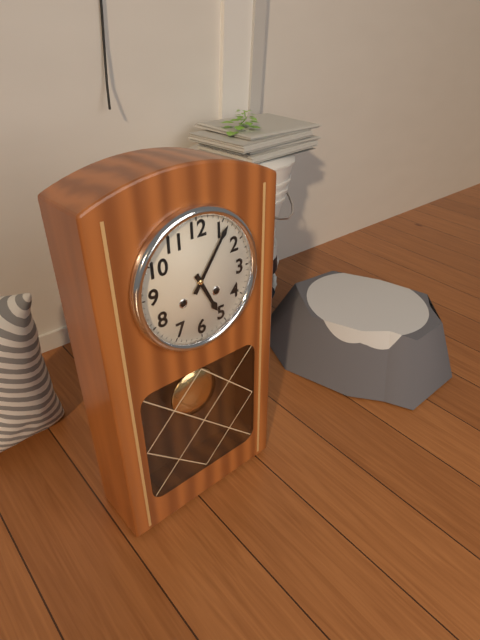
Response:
{"hour": 5, "minute": 6}
